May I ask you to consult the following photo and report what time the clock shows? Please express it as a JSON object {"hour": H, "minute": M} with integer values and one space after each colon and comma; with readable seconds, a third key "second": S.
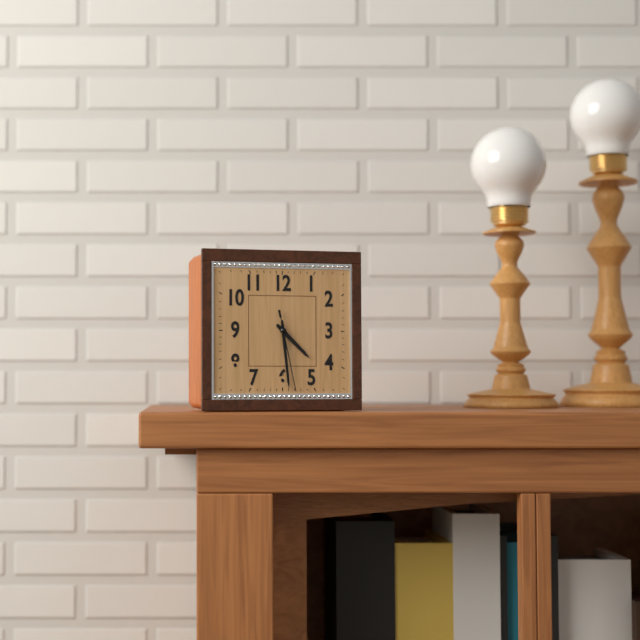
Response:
{"hour": 4, "minute": 29, "second": 28}
